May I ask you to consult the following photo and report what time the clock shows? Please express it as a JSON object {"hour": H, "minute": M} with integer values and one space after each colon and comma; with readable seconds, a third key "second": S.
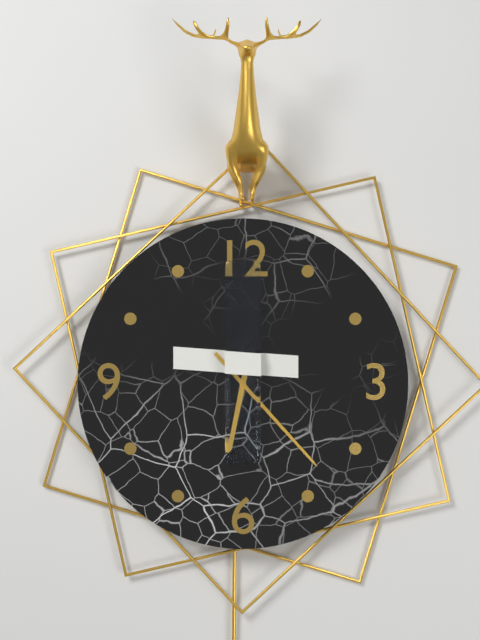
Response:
{"hour": 6, "minute": 23}
